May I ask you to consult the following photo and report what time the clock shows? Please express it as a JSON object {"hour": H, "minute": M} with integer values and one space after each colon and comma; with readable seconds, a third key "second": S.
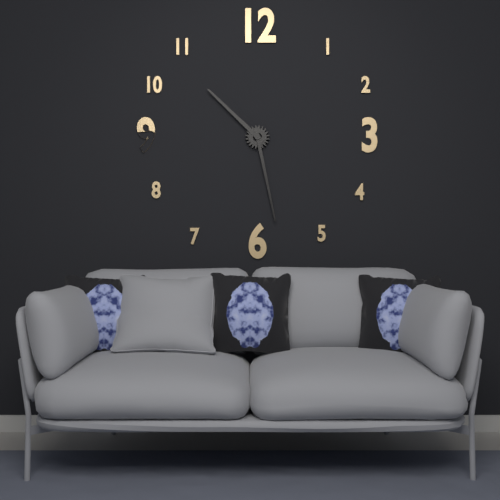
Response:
{"hour": 10, "minute": 28}
